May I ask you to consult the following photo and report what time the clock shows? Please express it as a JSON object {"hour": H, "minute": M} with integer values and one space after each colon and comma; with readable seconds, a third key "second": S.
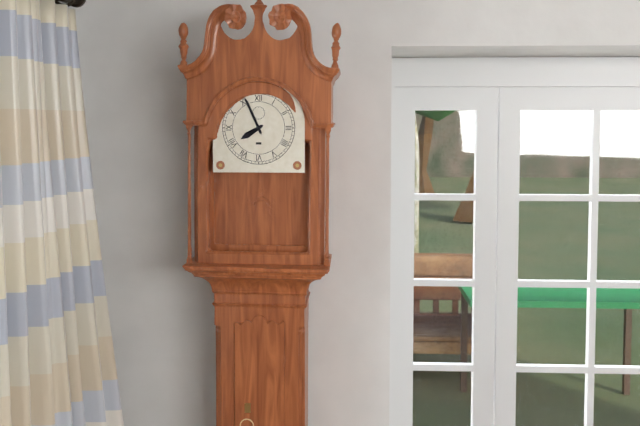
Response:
{"hour": 7, "minute": 56}
